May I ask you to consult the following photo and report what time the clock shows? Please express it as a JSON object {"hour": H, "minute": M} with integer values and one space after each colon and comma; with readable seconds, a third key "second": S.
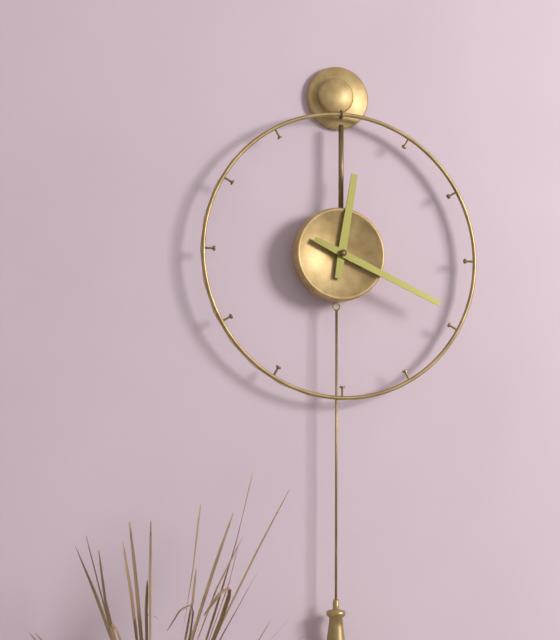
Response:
{"hour": 12, "minute": 19}
